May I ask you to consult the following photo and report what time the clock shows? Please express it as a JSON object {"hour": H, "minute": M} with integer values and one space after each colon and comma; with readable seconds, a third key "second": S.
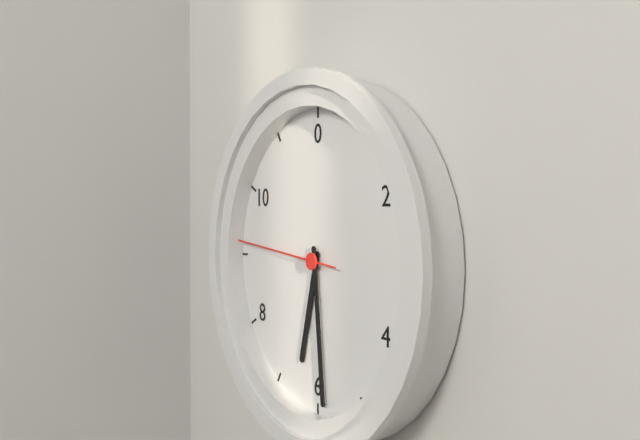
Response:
{"hour": 6, "minute": 29, "second": 46}
